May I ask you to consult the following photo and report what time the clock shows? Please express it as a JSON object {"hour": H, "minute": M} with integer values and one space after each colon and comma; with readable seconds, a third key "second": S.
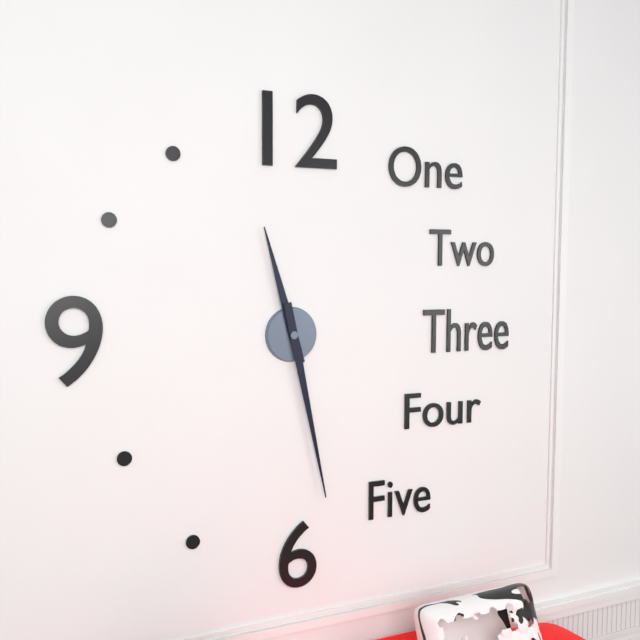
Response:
{"hour": 11, "minute": 28}
